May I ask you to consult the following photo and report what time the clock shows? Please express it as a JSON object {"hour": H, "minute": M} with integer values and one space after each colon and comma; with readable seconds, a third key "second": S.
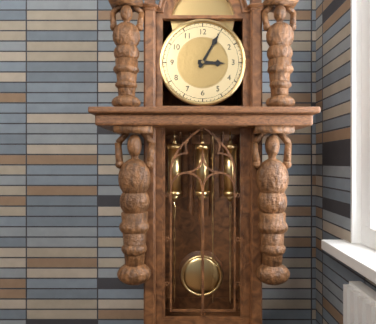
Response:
{"hour": 3, "minute": 5}
